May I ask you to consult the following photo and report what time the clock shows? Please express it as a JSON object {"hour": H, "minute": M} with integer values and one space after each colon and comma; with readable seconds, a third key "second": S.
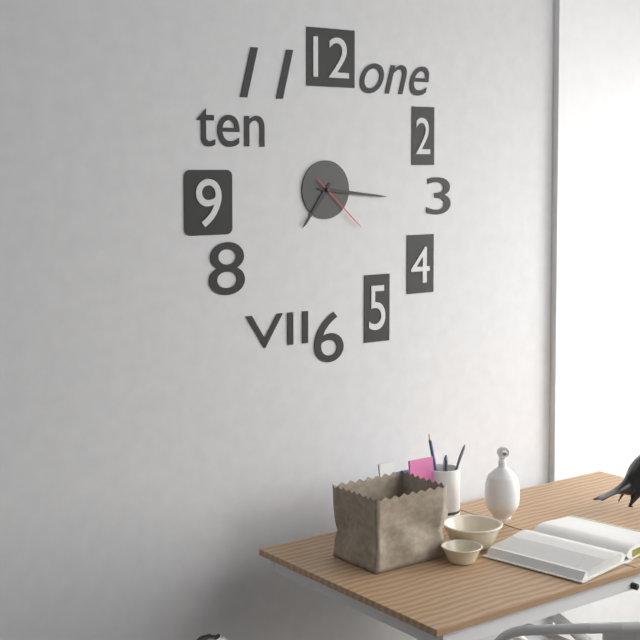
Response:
{"hour": 7, "minute": 16, "second": 22}
